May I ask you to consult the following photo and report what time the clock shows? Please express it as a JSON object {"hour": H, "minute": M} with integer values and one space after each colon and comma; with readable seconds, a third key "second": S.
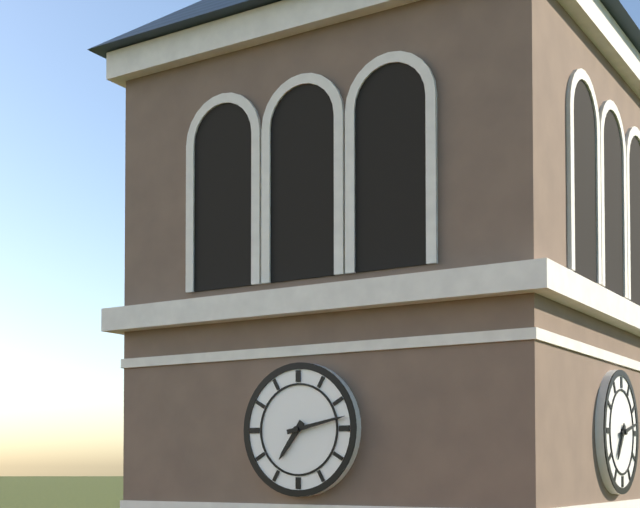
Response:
{"hour": 7, "minute": 13}
